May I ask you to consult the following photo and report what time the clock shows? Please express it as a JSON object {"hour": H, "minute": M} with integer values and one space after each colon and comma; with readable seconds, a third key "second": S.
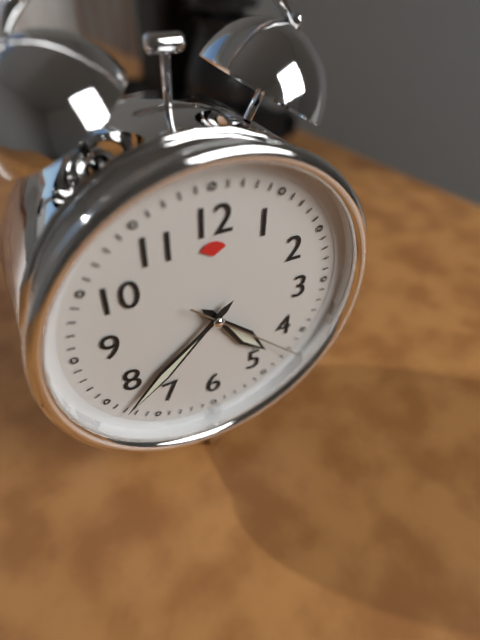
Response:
{"hour": 4, "minute": 38, "second": 22}
